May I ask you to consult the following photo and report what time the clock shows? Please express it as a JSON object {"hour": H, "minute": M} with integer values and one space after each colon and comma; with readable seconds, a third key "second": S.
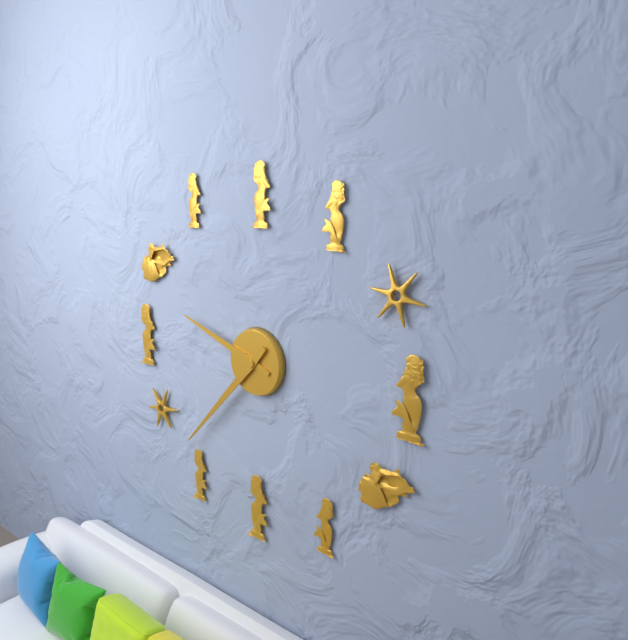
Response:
{"hour": 9, "minute": 37}
